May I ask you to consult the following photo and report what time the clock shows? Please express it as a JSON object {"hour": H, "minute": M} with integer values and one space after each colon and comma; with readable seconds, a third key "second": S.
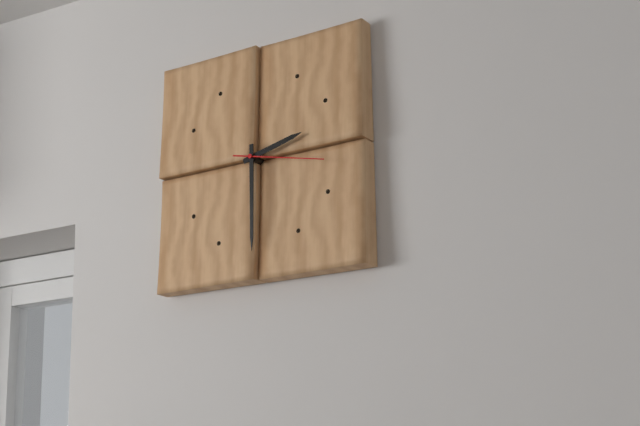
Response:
{"hour": 2, "minute": 30, "second": 17}
